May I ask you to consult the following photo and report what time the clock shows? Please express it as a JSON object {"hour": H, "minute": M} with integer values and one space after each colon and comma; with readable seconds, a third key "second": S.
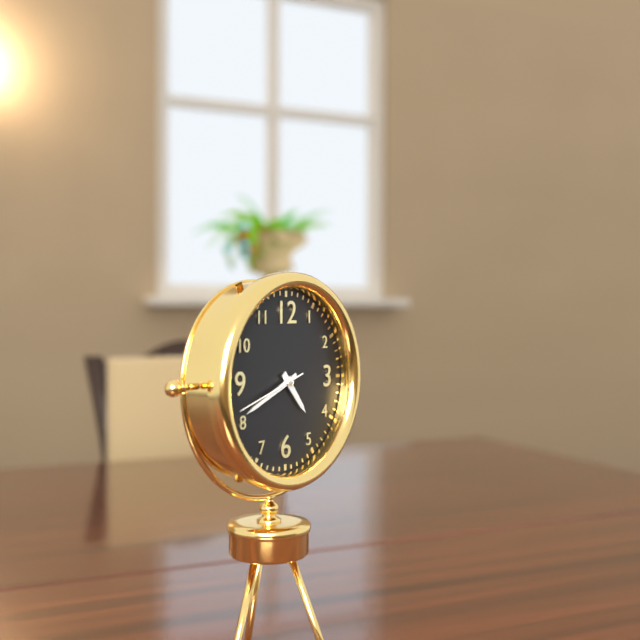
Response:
{"hour": 4, "minute": 41, "second": 42}
